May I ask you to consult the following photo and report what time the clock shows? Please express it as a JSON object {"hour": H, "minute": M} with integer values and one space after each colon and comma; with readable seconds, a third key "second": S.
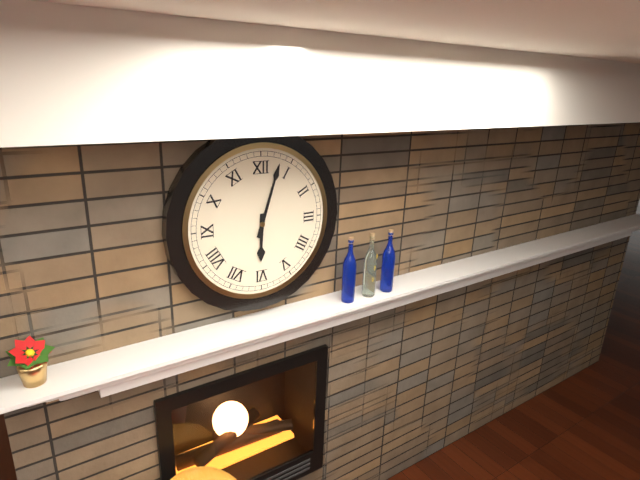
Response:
{"hour": 6, "minute": 3}
